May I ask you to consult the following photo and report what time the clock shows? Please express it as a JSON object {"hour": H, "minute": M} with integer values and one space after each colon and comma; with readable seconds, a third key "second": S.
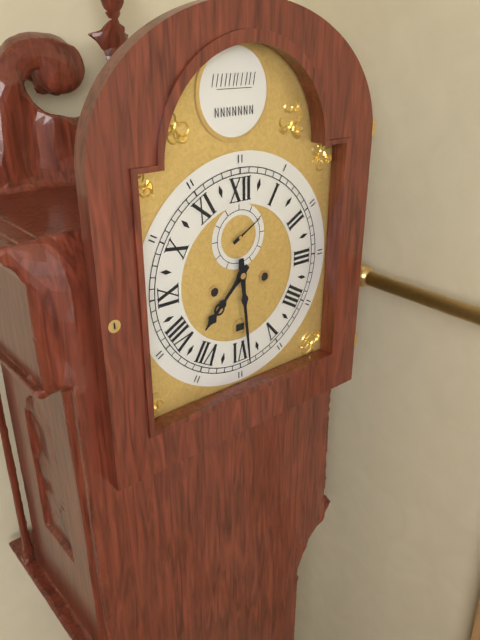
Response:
{"hour": 7, "minute": 29}
